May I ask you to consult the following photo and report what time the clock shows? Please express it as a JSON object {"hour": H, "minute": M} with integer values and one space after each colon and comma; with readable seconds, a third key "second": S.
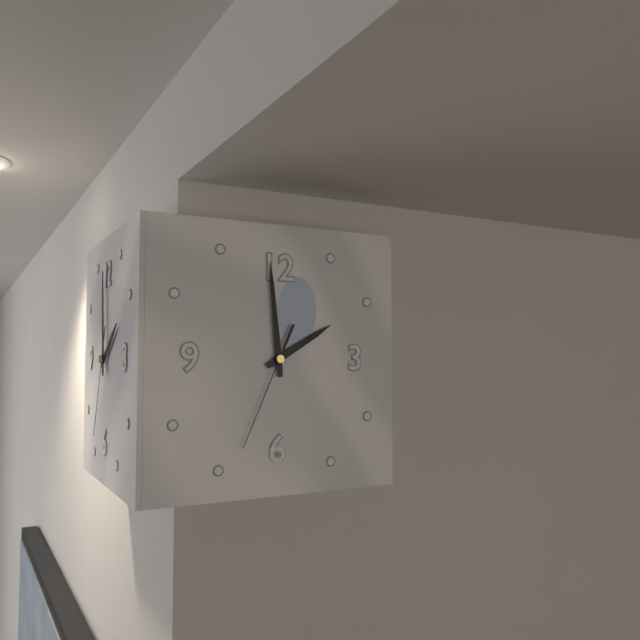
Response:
{"hour": 1, "minute": 59, "second": 34}
